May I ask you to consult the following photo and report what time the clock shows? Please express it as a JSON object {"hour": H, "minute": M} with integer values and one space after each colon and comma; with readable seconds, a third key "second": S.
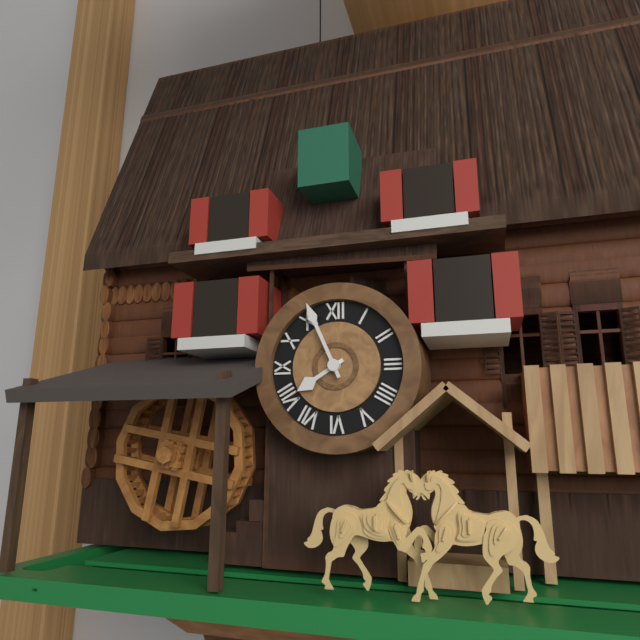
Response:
{"hour": 7, "minute": 56}
